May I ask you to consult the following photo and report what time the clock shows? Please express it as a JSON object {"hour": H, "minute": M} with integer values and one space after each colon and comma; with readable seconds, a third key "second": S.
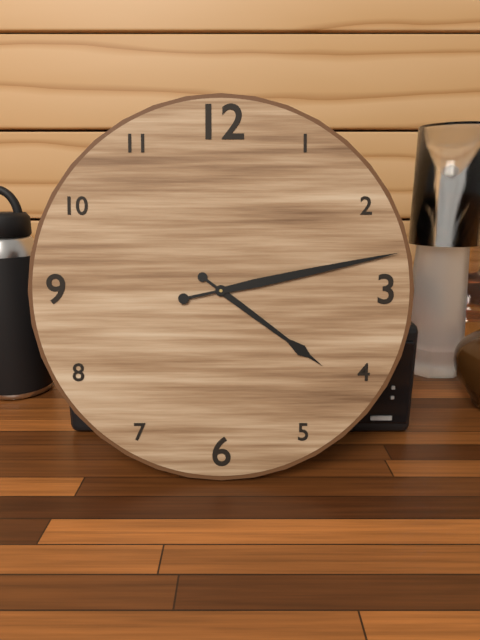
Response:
{"hour": 4, "minute": 13}
